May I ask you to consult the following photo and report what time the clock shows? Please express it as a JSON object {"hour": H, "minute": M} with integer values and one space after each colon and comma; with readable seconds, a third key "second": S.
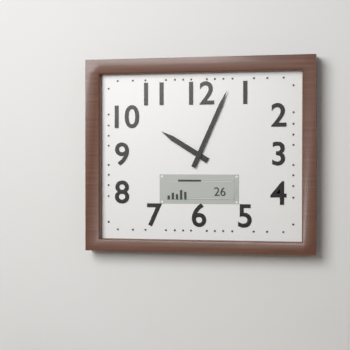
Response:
{"hour": 10, "minute": 4}
